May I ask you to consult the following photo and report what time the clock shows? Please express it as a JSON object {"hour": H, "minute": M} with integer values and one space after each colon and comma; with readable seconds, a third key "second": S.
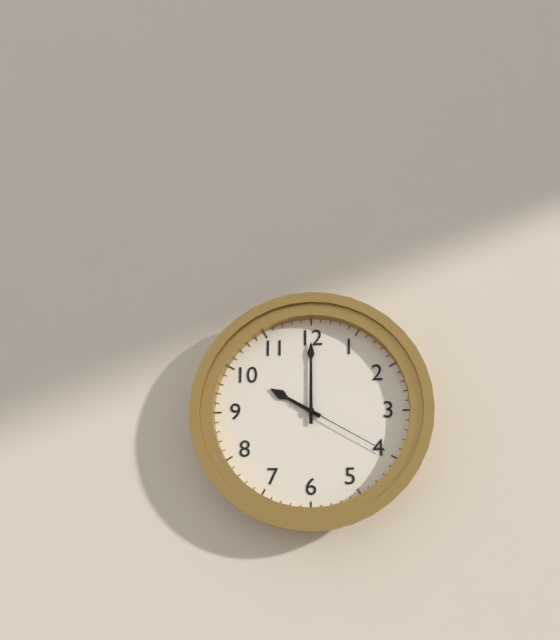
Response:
{"hour": 10, "minute": 0, "second": 20}
